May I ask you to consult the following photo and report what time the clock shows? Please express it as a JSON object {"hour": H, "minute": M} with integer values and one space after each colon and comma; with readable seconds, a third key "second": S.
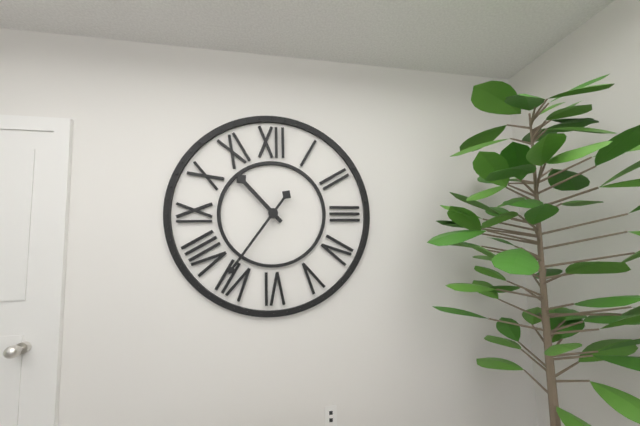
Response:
{"hour": 10, "minute": 36}
